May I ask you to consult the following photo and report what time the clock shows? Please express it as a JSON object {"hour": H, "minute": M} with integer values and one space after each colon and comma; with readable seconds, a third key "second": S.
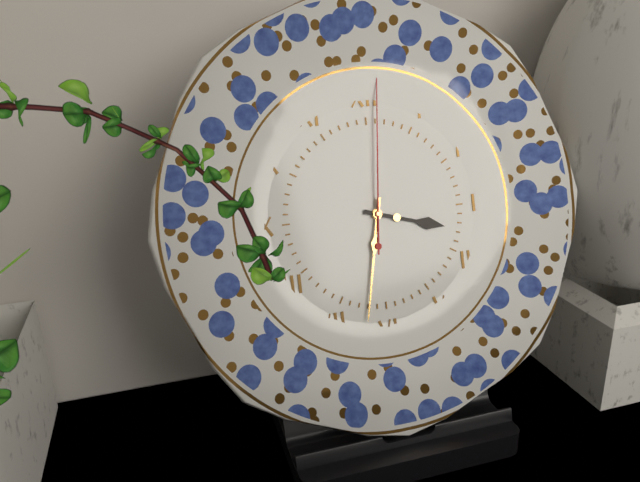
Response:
{"hour": 3, "minute": 32, "second": 1}
